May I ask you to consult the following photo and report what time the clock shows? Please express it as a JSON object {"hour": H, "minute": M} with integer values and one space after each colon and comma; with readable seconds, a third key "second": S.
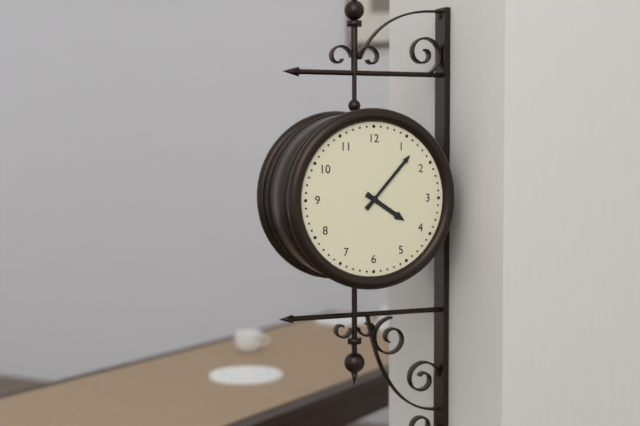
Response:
{"hour": 4, "minute": 7}
